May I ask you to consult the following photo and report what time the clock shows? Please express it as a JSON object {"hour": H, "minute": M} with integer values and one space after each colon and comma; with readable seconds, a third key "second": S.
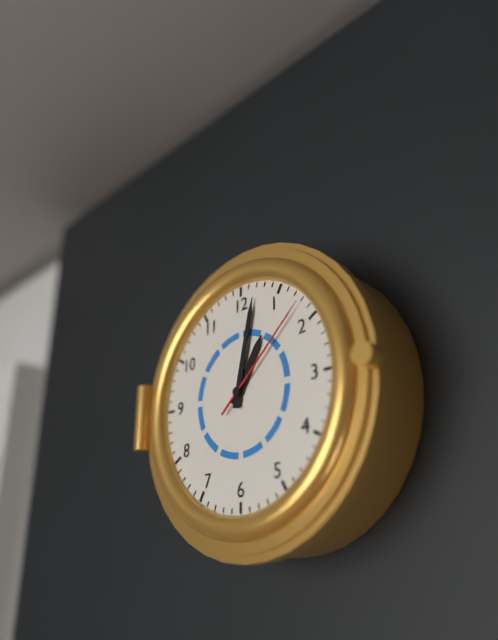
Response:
{"hour": 1, "minute": 2, "second": 8}
